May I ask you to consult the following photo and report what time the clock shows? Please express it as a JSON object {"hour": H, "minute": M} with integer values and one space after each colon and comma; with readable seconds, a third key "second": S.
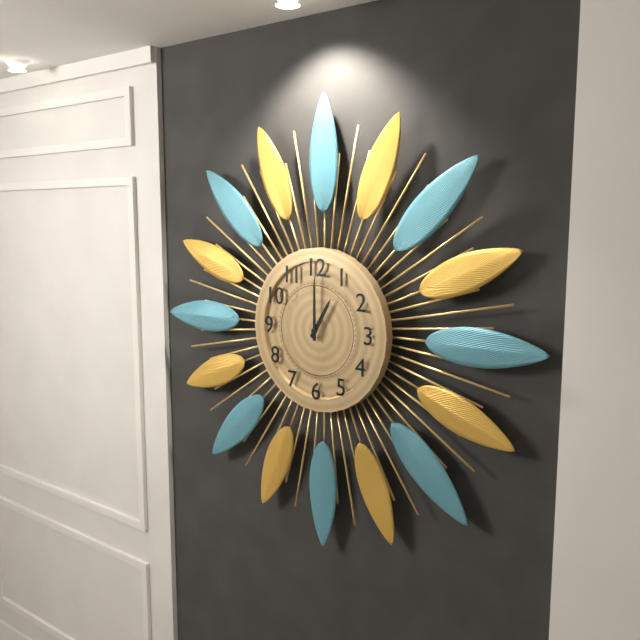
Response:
{"hour": 1, "minute": 0}
